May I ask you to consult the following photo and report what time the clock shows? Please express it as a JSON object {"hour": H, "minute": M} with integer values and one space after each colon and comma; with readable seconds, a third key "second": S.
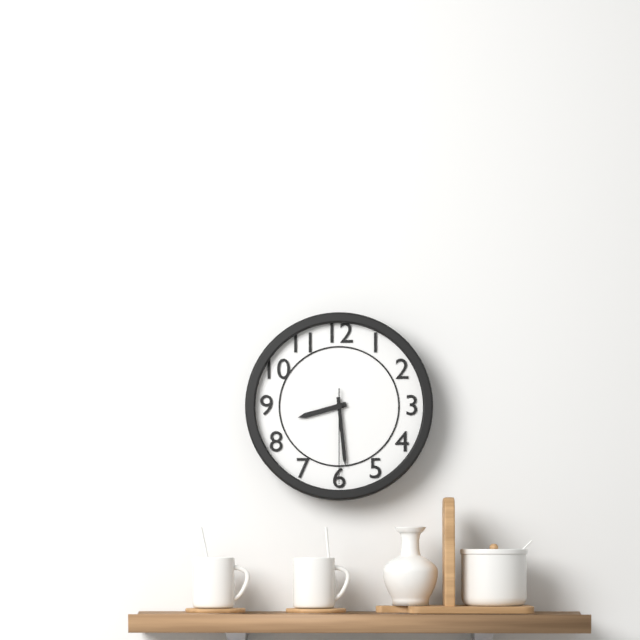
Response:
{"hour": 8, "minute": 29, "second": 30}
